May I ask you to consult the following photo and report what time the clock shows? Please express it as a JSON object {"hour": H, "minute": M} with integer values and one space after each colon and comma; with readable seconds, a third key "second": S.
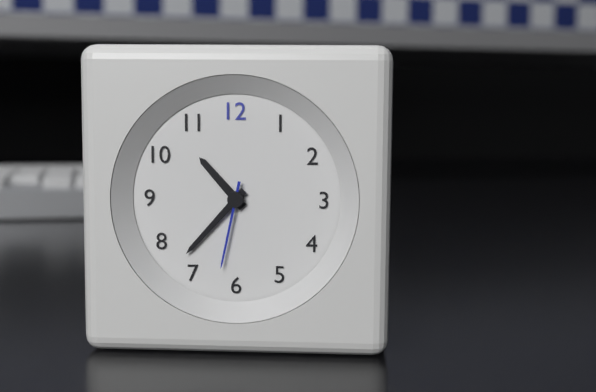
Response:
{"hour": 10, "minute": 37, "second": 32}
